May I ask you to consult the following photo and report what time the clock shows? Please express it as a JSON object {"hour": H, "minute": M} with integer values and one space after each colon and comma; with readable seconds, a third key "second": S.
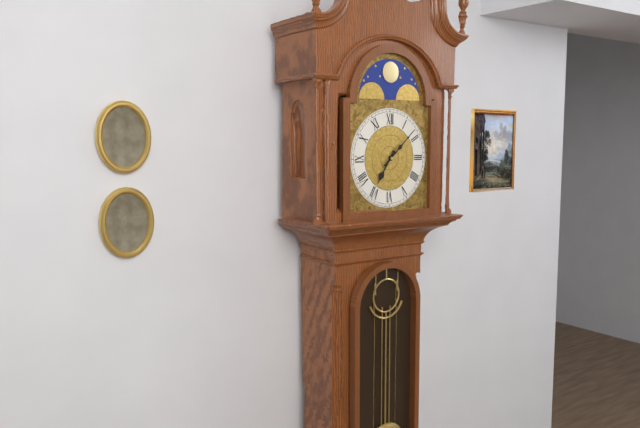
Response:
{"hour": 7, "minute": 8}
